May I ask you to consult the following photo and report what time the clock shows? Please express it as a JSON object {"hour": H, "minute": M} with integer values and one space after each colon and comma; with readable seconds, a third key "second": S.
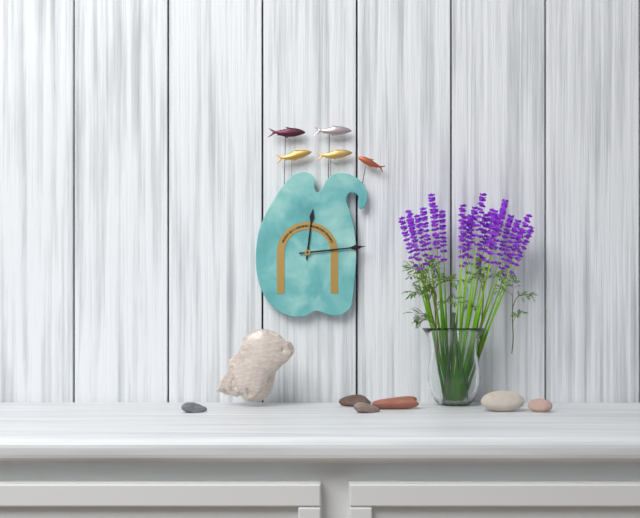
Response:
{"hour": 12, "minute": 14}
